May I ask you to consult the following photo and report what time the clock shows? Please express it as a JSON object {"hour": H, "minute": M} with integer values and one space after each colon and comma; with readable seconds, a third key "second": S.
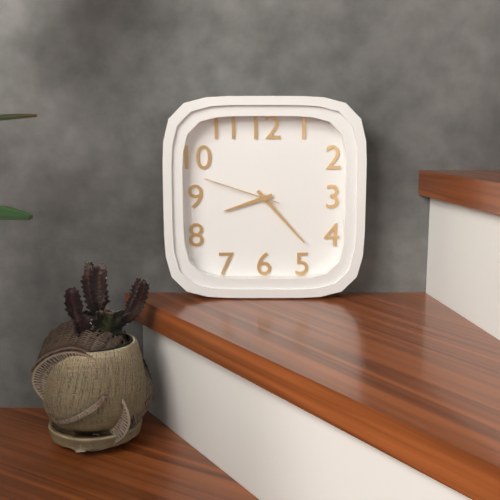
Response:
{"hour": 8, "minute": 23, "second": 48}
